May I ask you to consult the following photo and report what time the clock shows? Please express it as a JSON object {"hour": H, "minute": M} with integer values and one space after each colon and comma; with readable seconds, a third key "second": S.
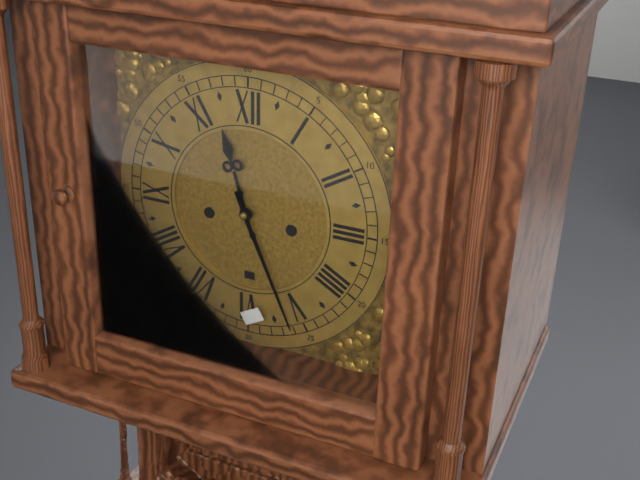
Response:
{"hour": 11, "minute": 26}
